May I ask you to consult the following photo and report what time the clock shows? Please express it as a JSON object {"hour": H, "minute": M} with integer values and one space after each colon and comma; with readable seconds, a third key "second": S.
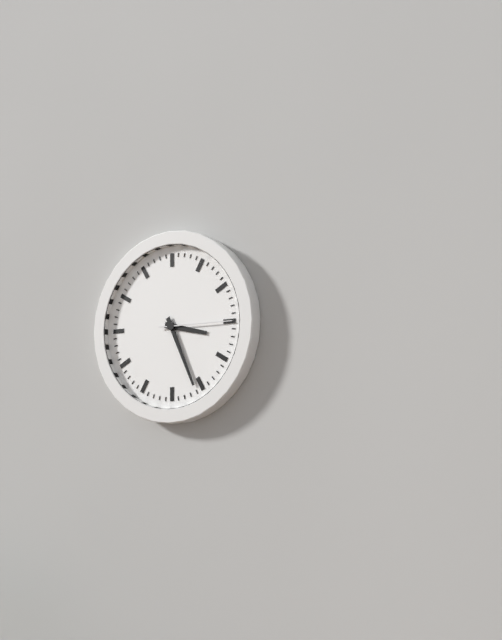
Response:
{"hour": 3, "minute": 26, "second": 15}
